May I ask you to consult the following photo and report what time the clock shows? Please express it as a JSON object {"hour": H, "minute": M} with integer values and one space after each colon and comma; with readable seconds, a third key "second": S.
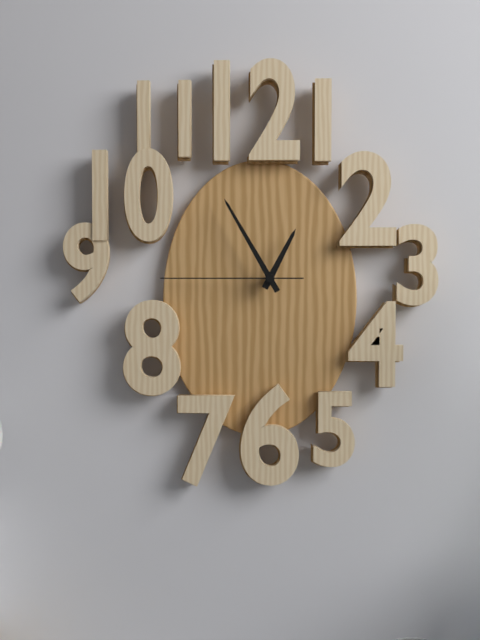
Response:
{"hour": 12, "minute": 55, "second": 45}
